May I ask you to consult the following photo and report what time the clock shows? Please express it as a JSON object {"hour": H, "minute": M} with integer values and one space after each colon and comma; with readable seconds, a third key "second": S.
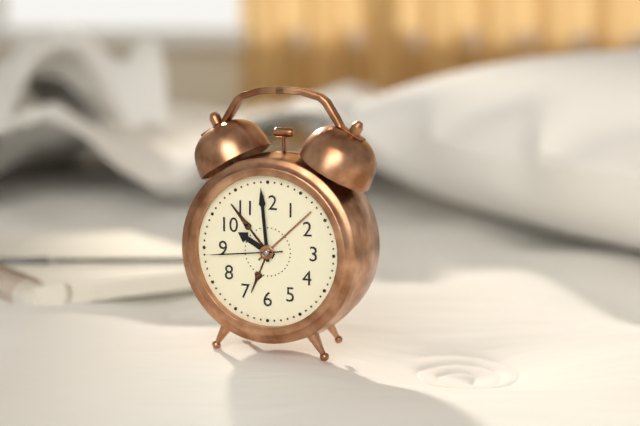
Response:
{"hour": 9, "minute": 59, "second": 44}
